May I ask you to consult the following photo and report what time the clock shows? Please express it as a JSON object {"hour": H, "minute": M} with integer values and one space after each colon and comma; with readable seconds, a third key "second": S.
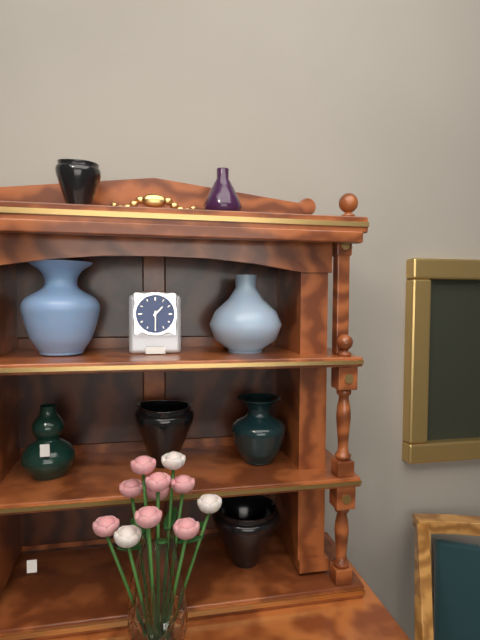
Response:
{"hour": 1, "minute": 30}
